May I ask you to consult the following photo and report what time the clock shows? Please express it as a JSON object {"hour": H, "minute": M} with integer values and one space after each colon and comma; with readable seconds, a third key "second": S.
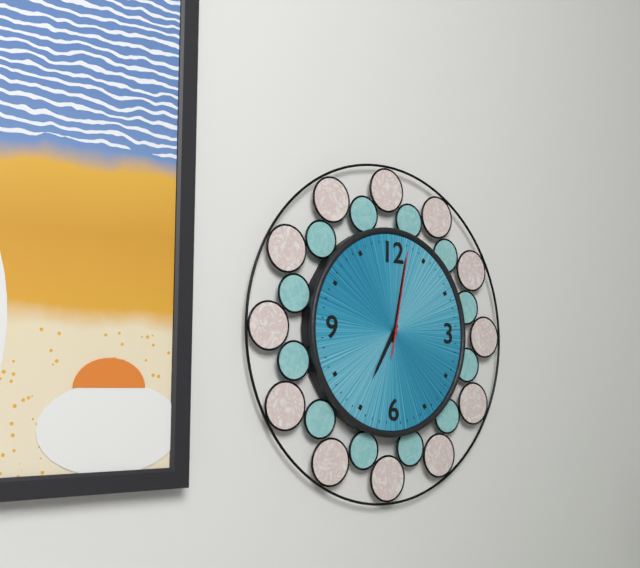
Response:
{"hour": 7, "minute": 2, "second": 2}
